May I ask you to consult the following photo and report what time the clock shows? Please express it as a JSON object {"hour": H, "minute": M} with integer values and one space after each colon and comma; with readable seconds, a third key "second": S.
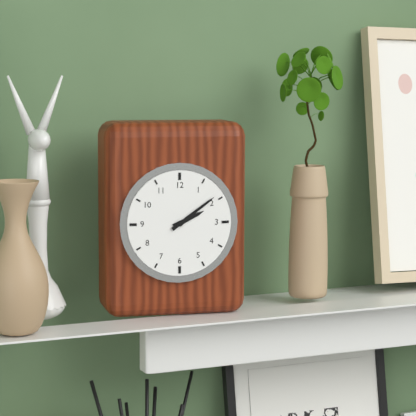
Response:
{"hour": 2, "minute": 9}
